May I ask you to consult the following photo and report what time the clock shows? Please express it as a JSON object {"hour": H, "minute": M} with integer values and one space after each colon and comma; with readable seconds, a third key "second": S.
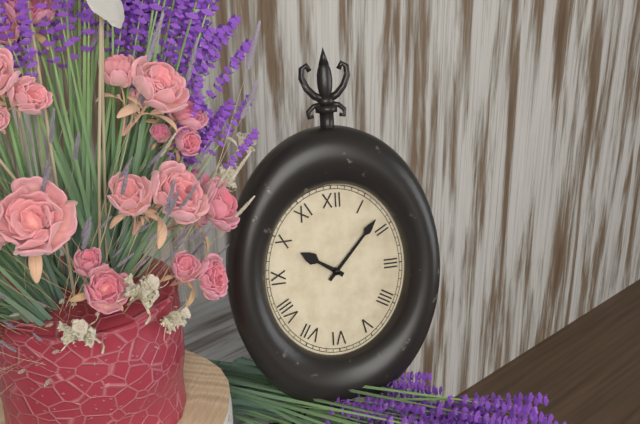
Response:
{"hour": 10, "minute": 7}
